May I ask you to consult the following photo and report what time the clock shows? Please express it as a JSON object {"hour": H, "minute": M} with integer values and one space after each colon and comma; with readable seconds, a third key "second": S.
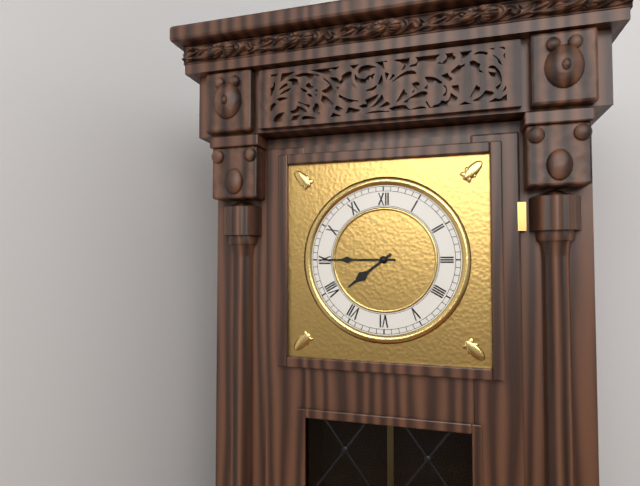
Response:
{"hour": 7, "minute": 45}
